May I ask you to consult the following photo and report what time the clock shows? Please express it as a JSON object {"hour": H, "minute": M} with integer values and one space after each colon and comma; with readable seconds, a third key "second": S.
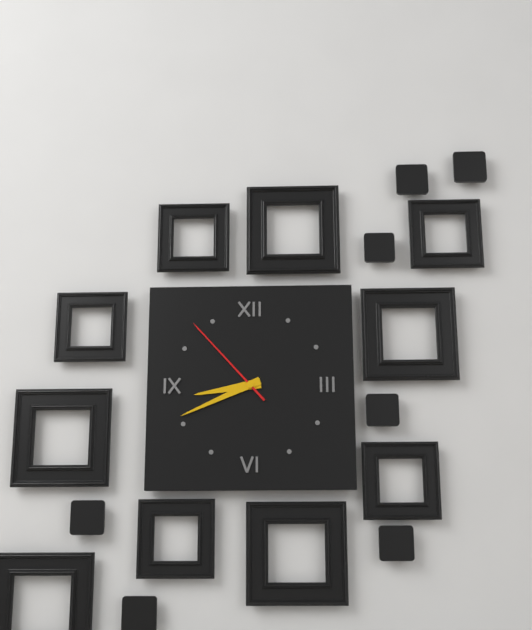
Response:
{"hour": 8, "minute": 41, "second": 53}
